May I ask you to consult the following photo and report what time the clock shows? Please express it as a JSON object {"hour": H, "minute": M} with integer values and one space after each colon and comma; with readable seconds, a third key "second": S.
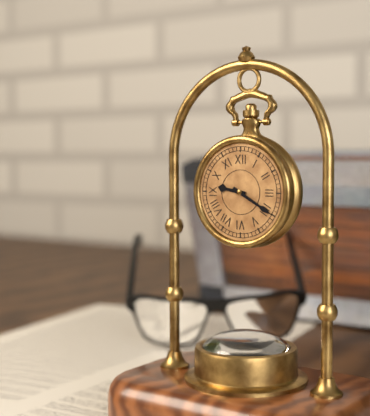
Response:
{"hour": 9, "minute": 20}
